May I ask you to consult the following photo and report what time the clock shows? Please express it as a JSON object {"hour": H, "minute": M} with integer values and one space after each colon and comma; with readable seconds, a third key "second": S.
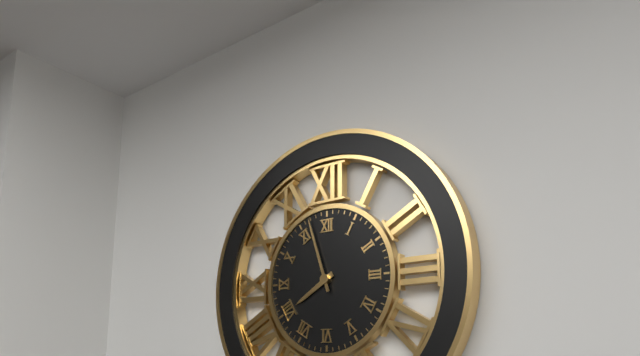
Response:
{"hour": 7, "minute": 57}
